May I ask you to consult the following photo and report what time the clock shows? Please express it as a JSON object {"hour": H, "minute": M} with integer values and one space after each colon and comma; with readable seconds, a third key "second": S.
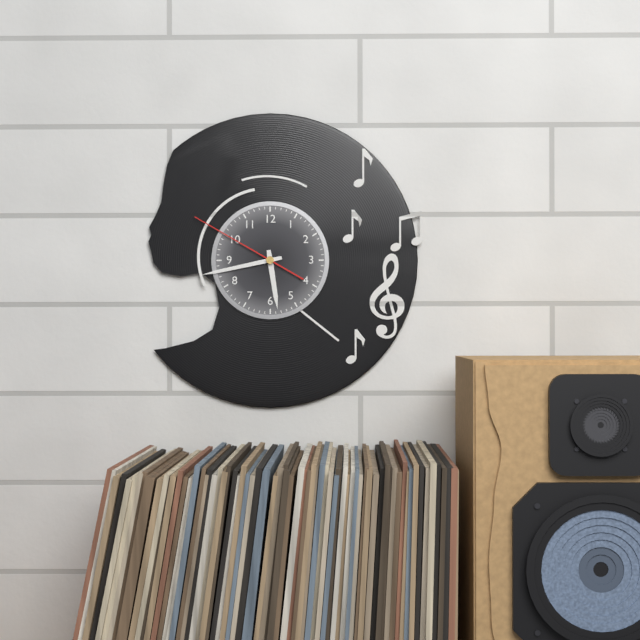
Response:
{"hour": 5, "minute": 43, "second": 50}
